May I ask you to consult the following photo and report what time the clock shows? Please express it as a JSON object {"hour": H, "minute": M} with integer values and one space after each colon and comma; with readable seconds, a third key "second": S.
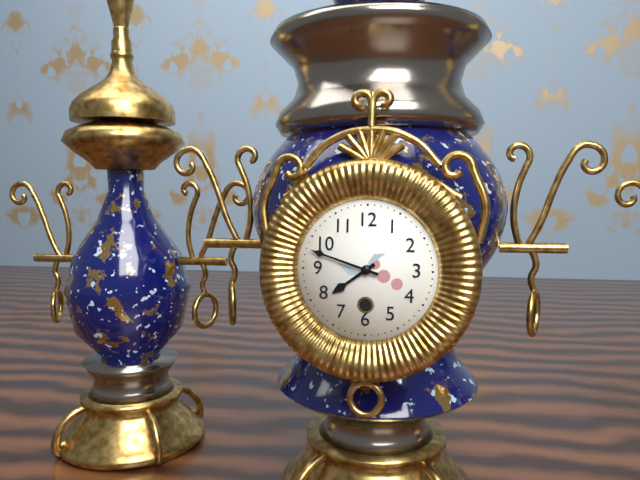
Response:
{"hour": 7, "minute": 48}
